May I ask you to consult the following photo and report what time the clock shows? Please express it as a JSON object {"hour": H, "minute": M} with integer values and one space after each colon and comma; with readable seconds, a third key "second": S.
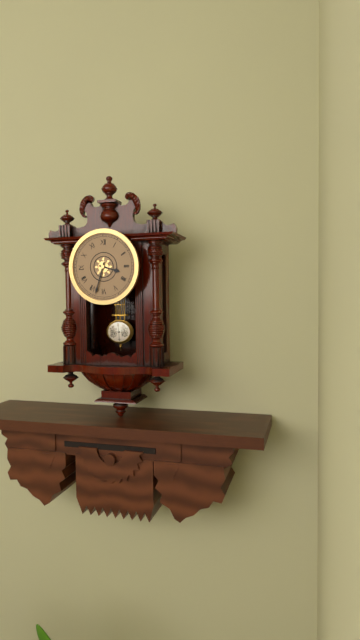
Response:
{"hour": 3, "minute": 33}
